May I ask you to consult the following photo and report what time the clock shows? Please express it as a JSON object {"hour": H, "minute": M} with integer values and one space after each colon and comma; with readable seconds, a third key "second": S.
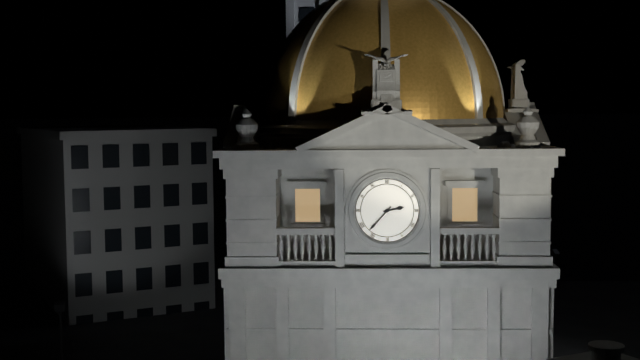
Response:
{"hour": 2, "minute": 37}
